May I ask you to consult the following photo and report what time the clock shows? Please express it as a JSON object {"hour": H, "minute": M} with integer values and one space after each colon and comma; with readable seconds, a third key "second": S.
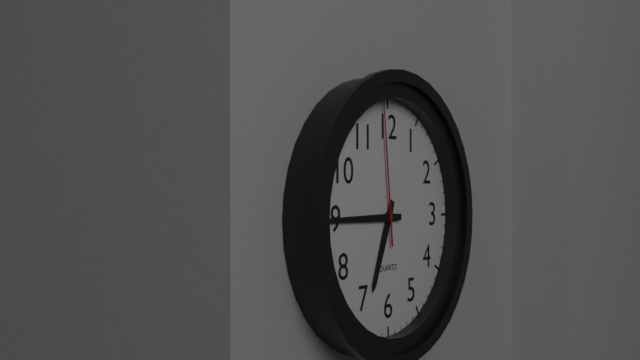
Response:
{"hour": 6, "minute": 45, "second": 59}
